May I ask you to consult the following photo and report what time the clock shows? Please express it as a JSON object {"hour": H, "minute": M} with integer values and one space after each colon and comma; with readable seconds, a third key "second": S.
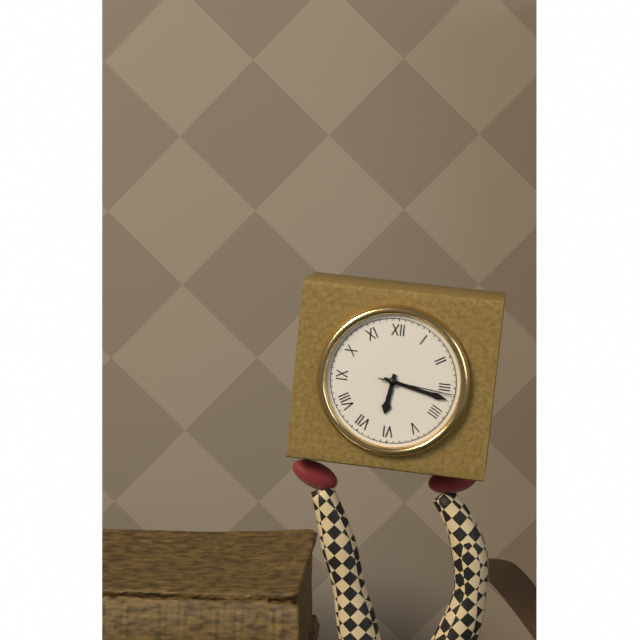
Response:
{"hour": 6, "minute": 17, "second": 16}
